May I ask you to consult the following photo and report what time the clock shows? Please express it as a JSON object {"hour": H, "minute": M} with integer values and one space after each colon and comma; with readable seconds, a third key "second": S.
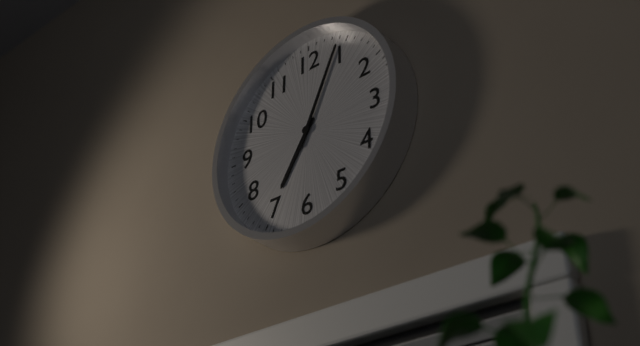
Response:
{"hour": 7, "minute": 4}
